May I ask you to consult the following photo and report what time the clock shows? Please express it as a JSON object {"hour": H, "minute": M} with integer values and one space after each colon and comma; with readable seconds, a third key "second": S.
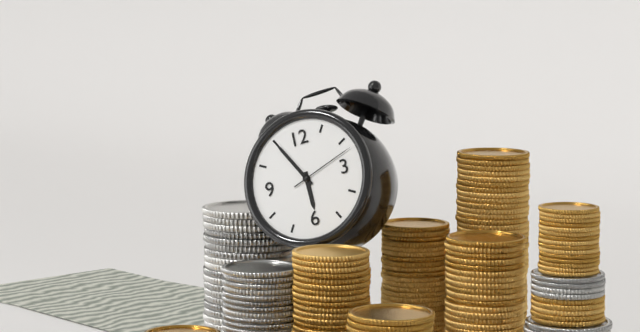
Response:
{"hour": 5, "minute": 55, "second": 12}
